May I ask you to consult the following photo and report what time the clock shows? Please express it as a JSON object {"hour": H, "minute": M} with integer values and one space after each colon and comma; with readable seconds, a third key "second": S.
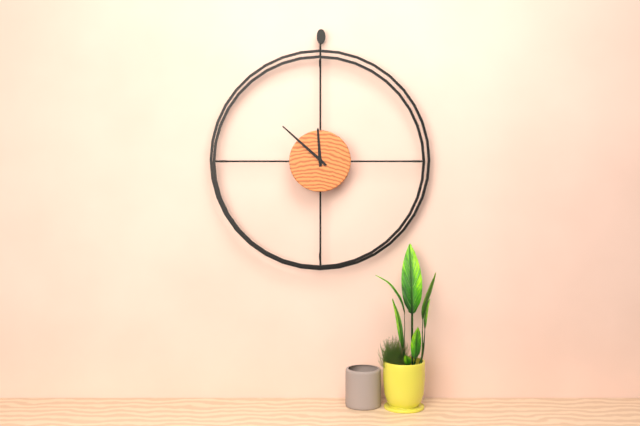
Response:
{"hour": 11, "minute": 52}
